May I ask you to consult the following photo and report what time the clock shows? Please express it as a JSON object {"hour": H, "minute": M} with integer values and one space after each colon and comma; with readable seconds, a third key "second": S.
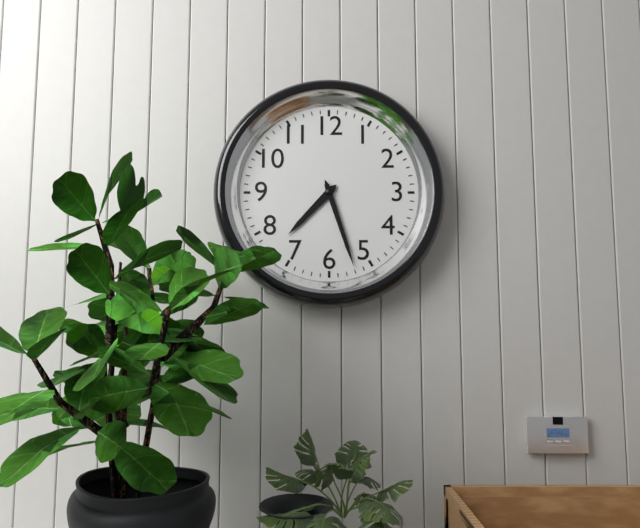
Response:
{"hour": 7, "minute": 27}
